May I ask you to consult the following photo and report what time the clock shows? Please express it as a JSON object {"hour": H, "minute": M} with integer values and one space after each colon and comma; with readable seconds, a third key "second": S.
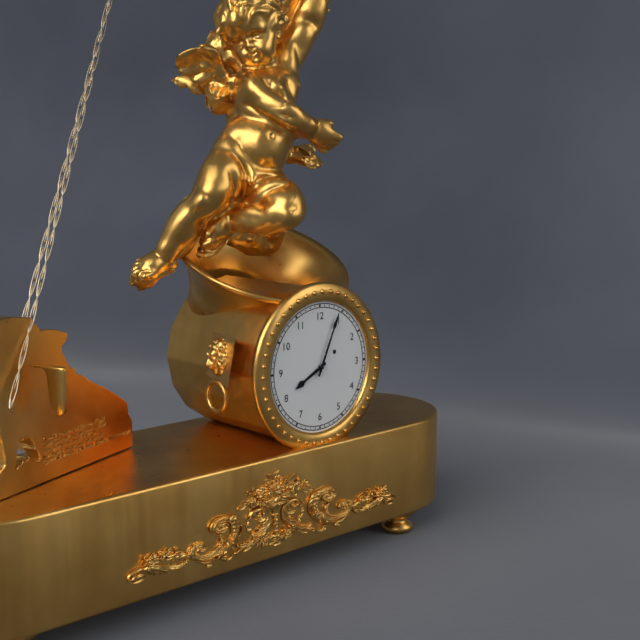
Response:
{"hour": 8, "minute": 4}
